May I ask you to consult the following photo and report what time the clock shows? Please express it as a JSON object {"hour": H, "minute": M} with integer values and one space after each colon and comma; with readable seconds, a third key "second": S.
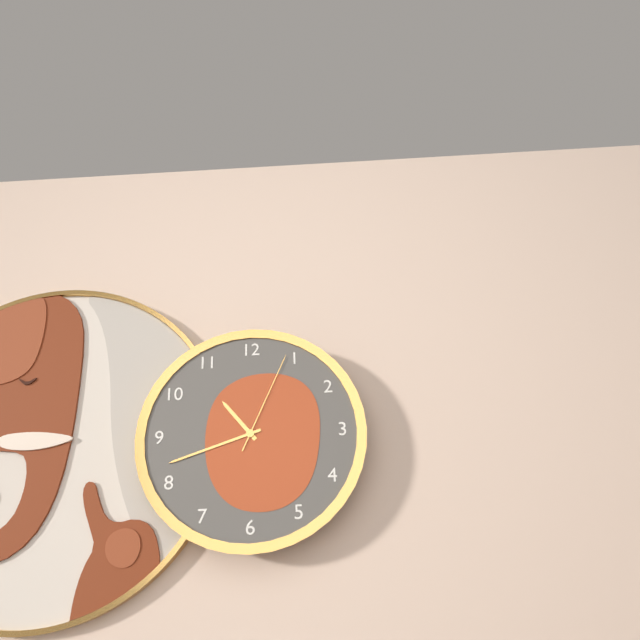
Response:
{"hour": 10, "minute": 42, "second": 4}
